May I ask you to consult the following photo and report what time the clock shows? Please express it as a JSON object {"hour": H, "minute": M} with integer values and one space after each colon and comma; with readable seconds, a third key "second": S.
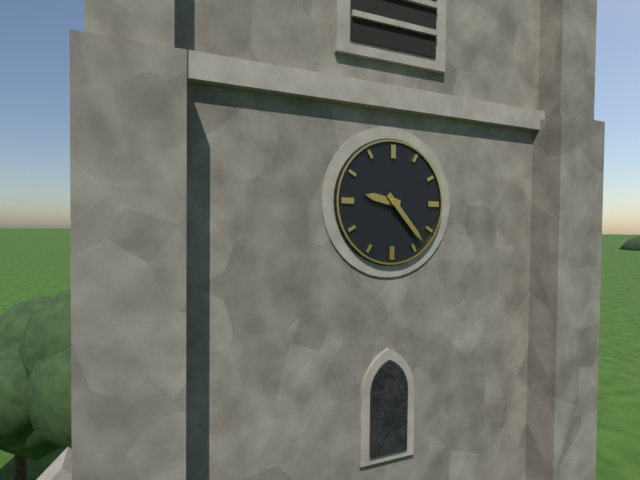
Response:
{"hour": 9, "minute": 23}
